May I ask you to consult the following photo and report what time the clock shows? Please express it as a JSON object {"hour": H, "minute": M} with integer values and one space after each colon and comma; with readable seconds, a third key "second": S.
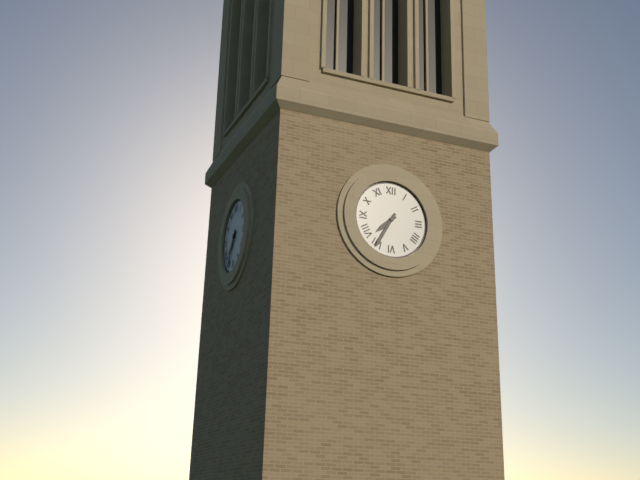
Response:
{"hour": 7, "minute": 35}
